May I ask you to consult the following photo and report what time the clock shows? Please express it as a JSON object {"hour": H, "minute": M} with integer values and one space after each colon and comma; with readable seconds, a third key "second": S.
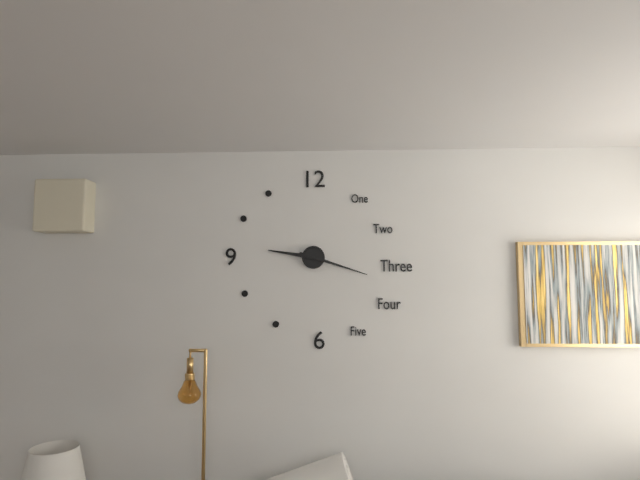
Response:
{"hour": 9, "minute": 18}
